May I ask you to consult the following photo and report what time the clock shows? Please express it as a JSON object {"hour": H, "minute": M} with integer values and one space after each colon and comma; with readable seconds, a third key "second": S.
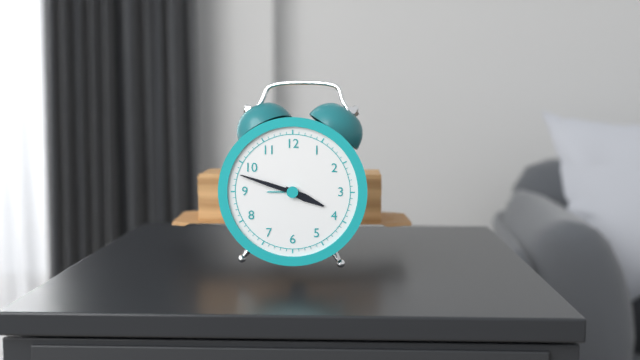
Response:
{"hour": 3, "minute": 48}
